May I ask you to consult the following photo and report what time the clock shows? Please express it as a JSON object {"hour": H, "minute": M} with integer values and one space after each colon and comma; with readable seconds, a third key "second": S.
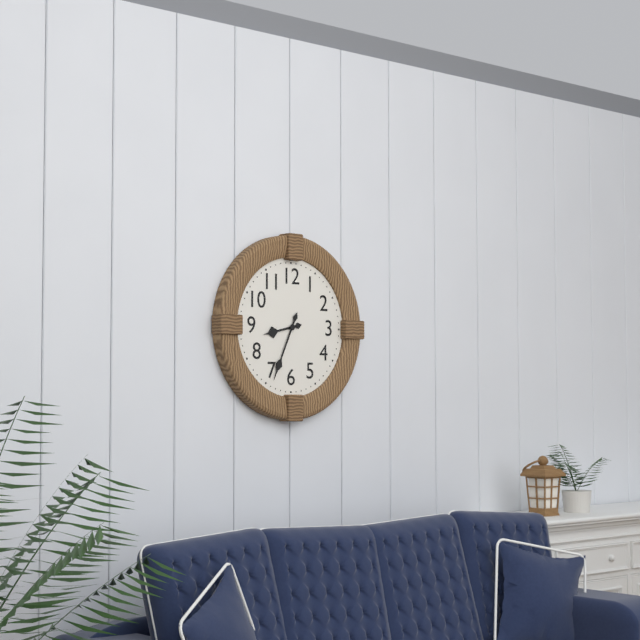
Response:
{"hour": 8, "minute": 34}
